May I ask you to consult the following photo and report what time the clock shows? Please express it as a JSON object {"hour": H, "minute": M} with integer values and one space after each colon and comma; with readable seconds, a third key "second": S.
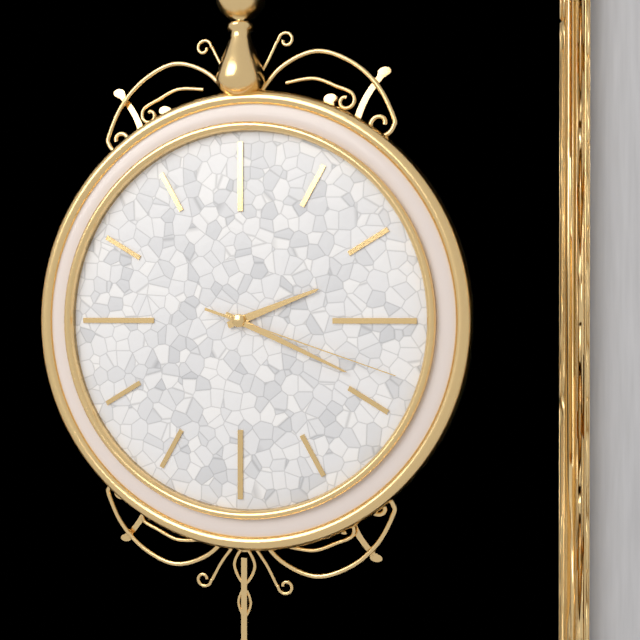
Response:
{"hour": 2, "minute": 19, "second": 18}
